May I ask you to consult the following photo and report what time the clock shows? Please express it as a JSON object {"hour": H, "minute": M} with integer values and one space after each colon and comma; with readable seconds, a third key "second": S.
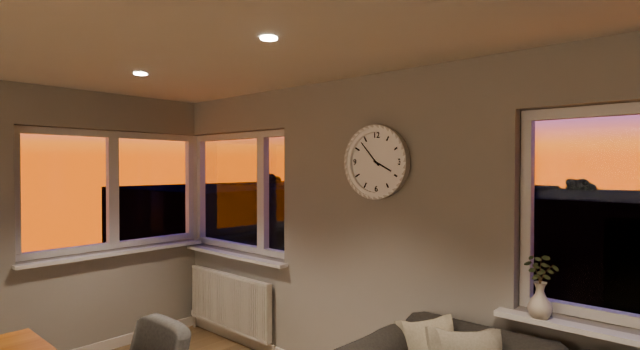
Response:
{"hour": 3, "minute": 53}
